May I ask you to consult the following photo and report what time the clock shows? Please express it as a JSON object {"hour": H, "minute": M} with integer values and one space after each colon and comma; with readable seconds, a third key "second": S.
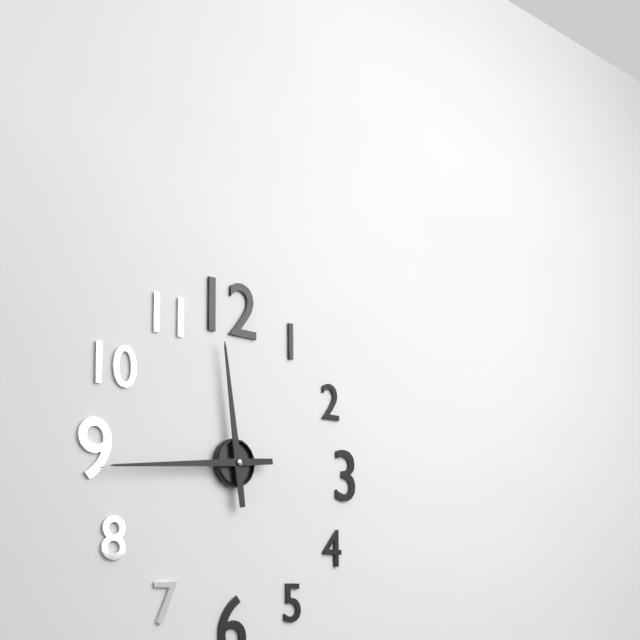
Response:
{"hour": 11, "minute": 44}
